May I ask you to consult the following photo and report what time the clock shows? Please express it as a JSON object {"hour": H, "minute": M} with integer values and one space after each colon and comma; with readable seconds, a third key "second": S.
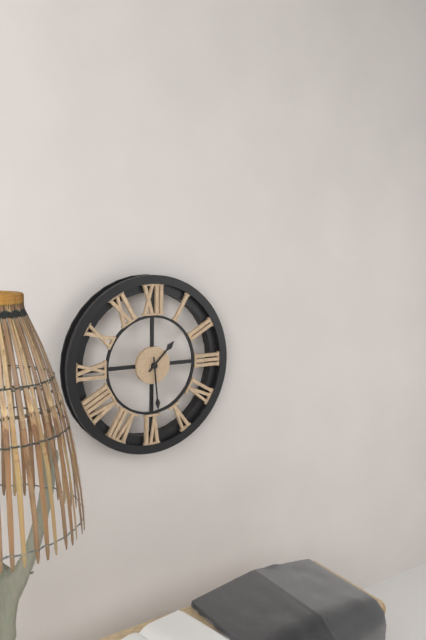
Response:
{"hour": 1, "minute": 29}
